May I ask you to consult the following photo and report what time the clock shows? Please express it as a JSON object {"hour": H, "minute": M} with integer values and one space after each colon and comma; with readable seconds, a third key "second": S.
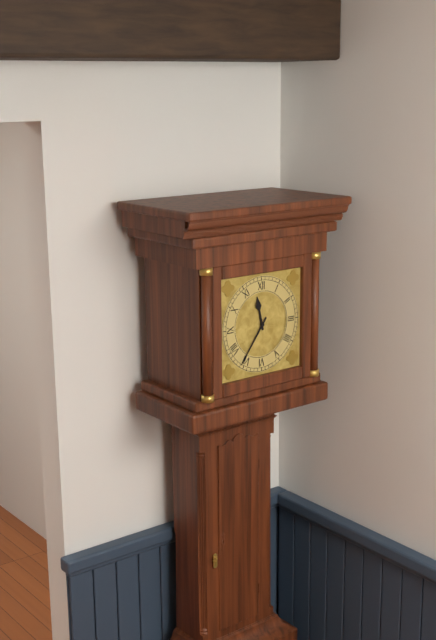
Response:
{"hour": 11, "minute": 36}
